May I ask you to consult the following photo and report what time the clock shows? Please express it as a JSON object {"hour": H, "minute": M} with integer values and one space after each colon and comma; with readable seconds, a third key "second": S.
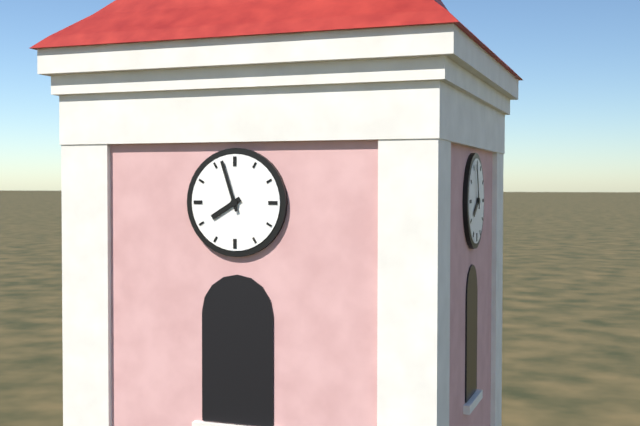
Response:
{"hour": 7, "minute": 57}
